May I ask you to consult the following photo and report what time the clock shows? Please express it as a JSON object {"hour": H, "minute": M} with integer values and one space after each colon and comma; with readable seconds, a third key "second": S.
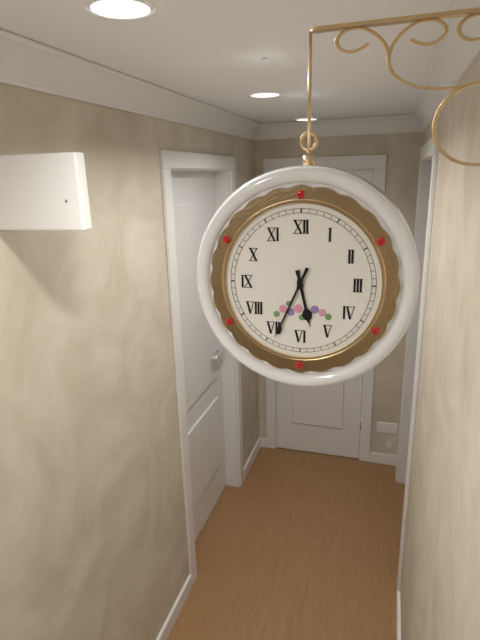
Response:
{"hour": 5, "minute": 34}
